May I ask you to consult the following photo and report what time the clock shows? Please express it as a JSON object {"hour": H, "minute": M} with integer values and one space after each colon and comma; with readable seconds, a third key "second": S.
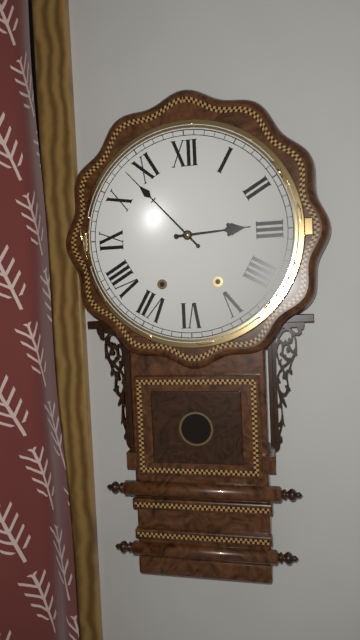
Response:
{"hour": 2, "minute": 53}
